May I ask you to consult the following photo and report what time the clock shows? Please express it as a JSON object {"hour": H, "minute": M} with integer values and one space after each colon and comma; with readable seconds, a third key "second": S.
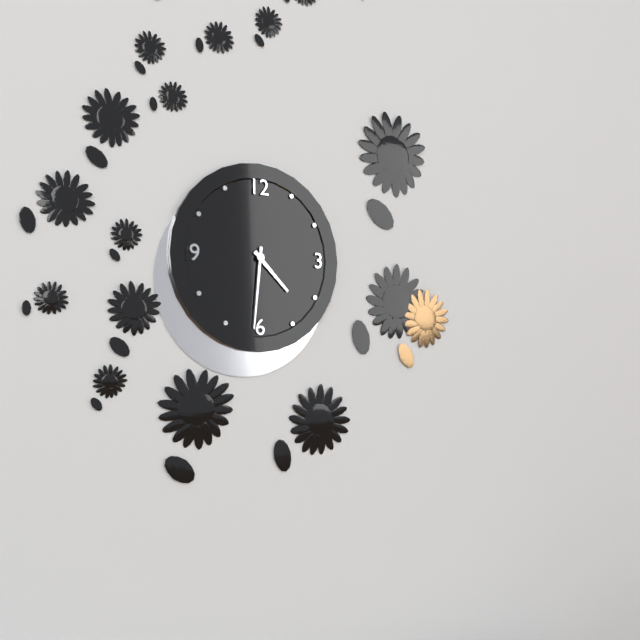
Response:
{"hour": 4, "minute": 31}
